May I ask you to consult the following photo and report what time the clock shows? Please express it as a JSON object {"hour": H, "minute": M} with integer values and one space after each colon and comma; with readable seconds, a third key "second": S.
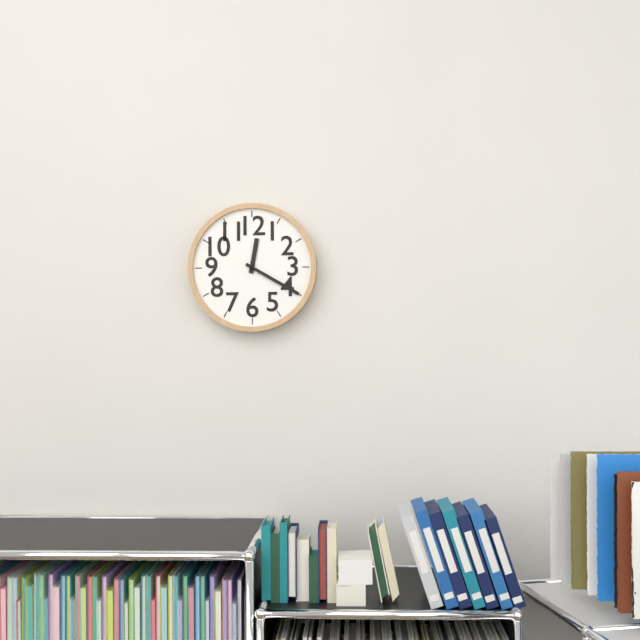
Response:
{"hour": 12, "minute": 20}
